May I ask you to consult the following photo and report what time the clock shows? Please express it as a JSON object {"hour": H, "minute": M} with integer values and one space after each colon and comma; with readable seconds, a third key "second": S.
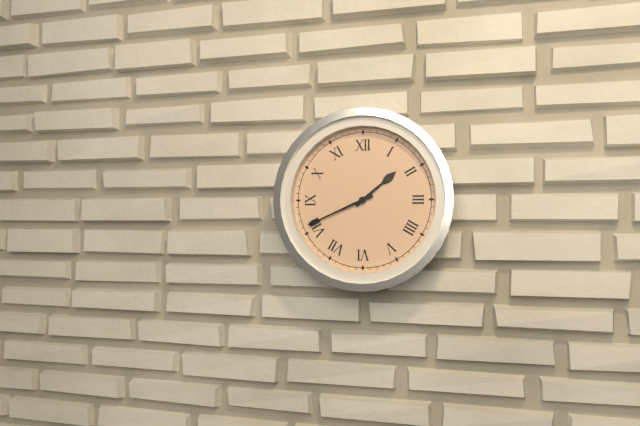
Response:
{"hour": 1, "minute": 41}
